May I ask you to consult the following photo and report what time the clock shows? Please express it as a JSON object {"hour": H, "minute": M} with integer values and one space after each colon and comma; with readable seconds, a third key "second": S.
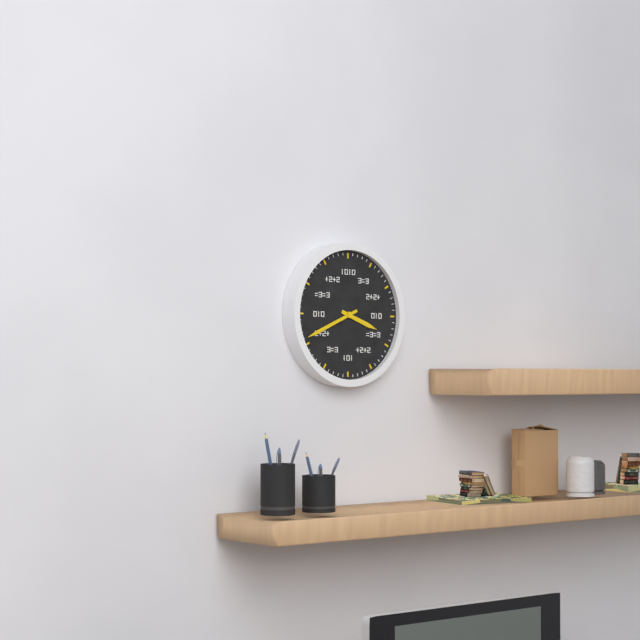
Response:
{"hour": 3, "minute": 41}
